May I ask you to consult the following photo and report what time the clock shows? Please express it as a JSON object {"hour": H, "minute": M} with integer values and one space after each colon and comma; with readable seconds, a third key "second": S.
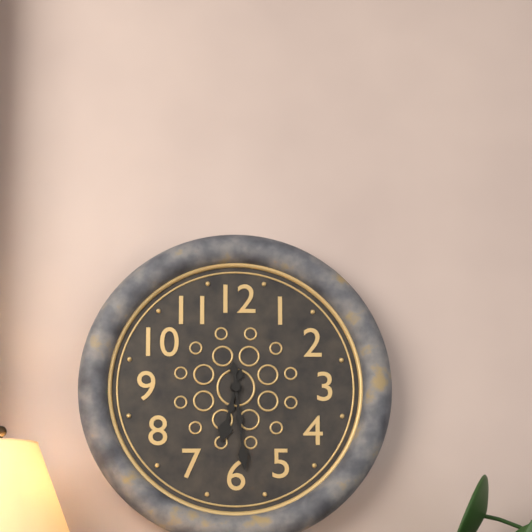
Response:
{"hour": 6, "minute": 29}
